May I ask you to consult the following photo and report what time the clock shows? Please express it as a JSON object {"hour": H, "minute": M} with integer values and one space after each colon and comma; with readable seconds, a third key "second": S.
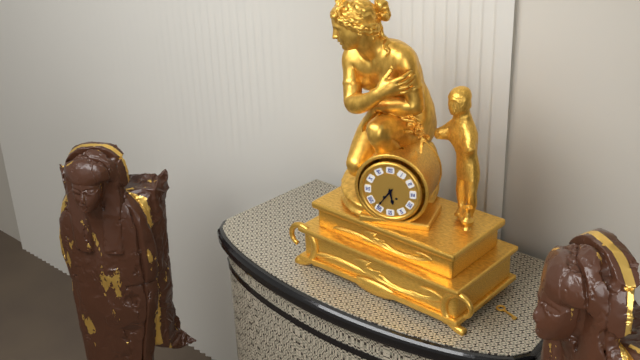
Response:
{"hour": 5, "minute": 36}
